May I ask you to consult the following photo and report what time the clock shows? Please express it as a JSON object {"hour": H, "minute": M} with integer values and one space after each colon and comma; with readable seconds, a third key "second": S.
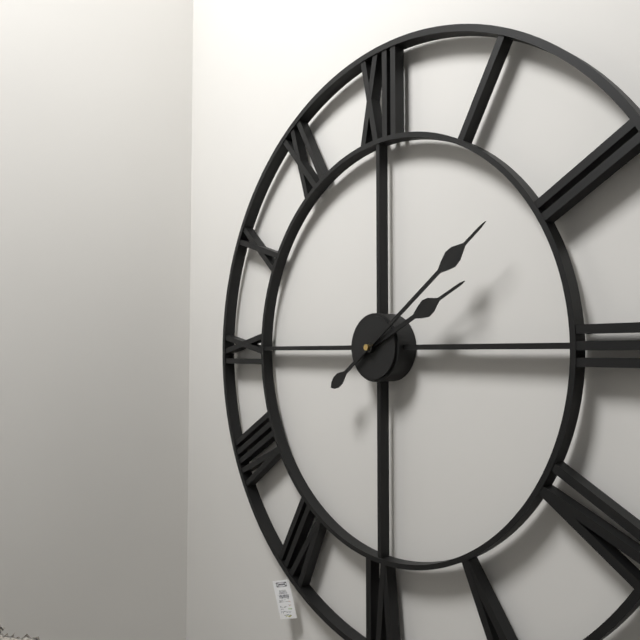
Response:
{"hour": 2, "minute": 9}
